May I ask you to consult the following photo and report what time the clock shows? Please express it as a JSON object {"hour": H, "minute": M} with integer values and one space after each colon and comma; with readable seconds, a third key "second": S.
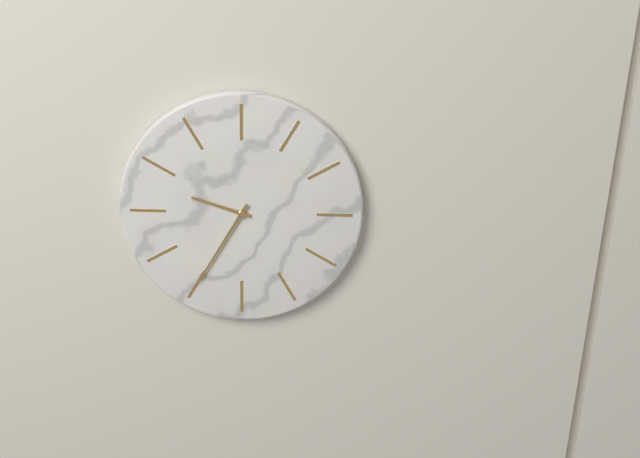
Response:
{"hour": 9, "minute": 35}
